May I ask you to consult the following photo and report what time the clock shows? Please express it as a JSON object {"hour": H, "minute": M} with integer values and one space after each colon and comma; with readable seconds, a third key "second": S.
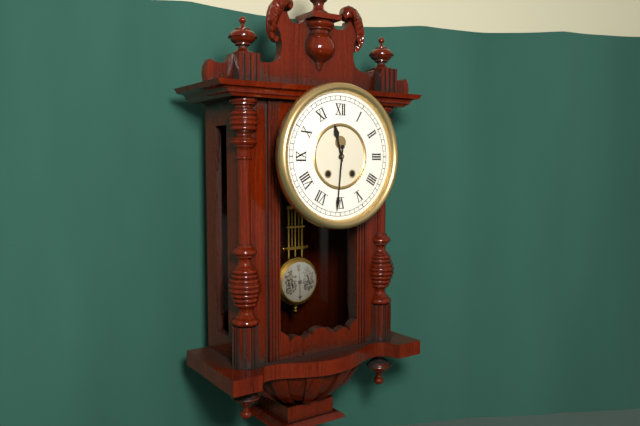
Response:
{"hour": 11, "minute": 31}
